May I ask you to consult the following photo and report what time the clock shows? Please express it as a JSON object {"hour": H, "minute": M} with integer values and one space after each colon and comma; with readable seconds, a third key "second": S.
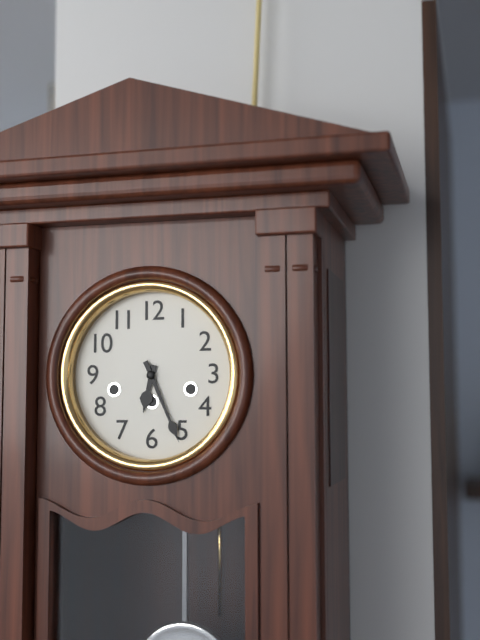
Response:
{"hour": 6, "minute": 26}
